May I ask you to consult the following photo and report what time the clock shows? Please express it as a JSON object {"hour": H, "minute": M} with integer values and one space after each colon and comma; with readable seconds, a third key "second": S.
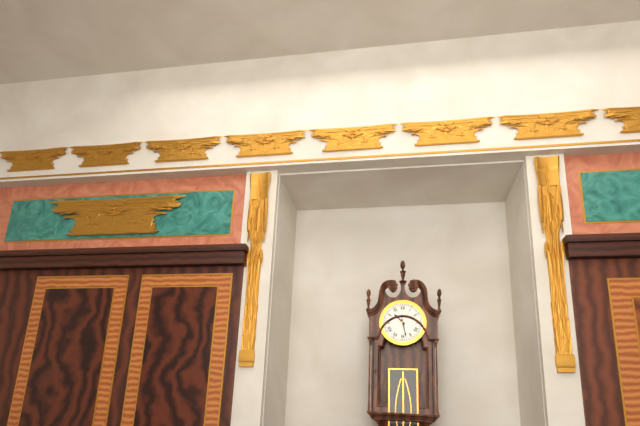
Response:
{"hour": 10, "minute": 28}
